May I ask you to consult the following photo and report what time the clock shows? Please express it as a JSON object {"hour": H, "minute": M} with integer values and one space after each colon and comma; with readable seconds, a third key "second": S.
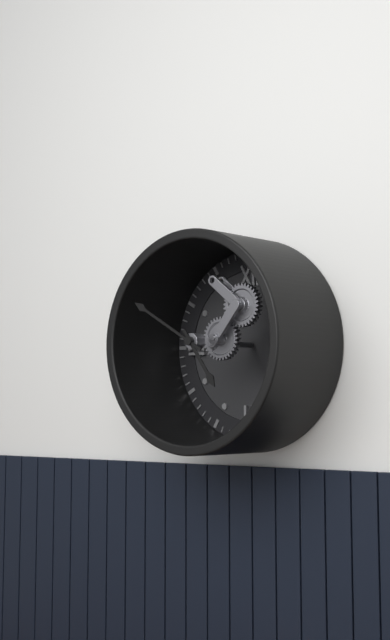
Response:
{"hour": 4, "minute": 50}
